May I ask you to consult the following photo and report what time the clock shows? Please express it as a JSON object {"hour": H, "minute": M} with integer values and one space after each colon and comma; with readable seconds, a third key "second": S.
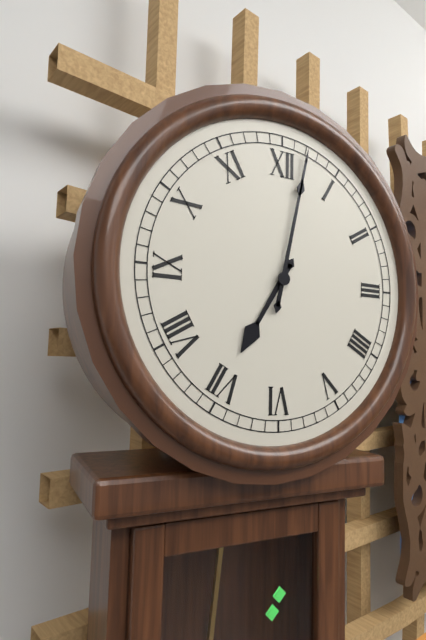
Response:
{"hour": 7, "minute": 2}
